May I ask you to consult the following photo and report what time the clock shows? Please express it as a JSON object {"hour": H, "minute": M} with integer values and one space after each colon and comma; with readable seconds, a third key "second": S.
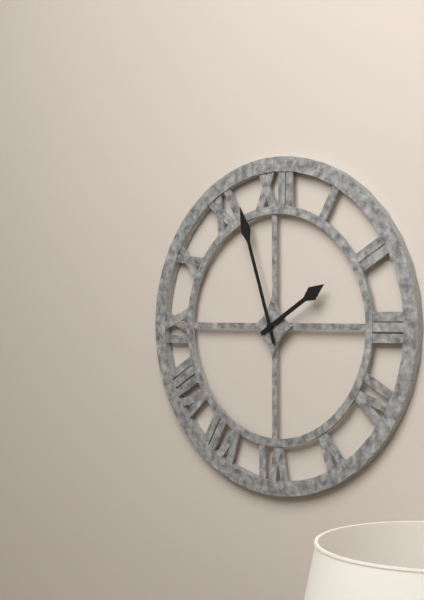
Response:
{"hour": 1, "minute": 57}
